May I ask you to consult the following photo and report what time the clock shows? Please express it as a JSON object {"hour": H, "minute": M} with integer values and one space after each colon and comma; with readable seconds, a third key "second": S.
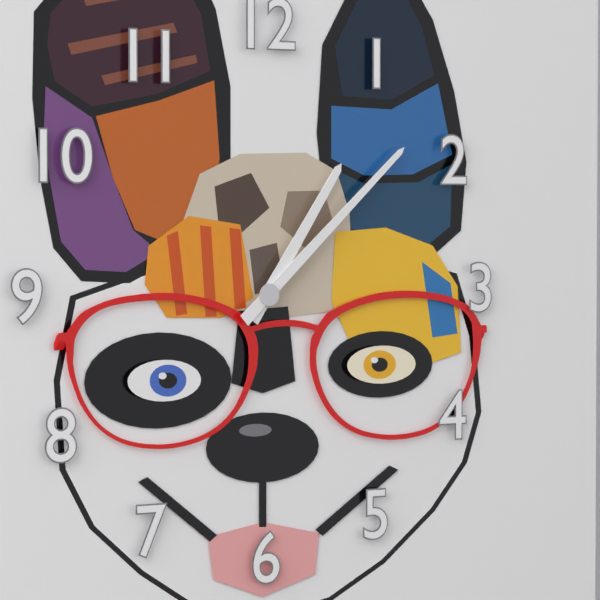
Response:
{"hour": 1, "minute": 8}
